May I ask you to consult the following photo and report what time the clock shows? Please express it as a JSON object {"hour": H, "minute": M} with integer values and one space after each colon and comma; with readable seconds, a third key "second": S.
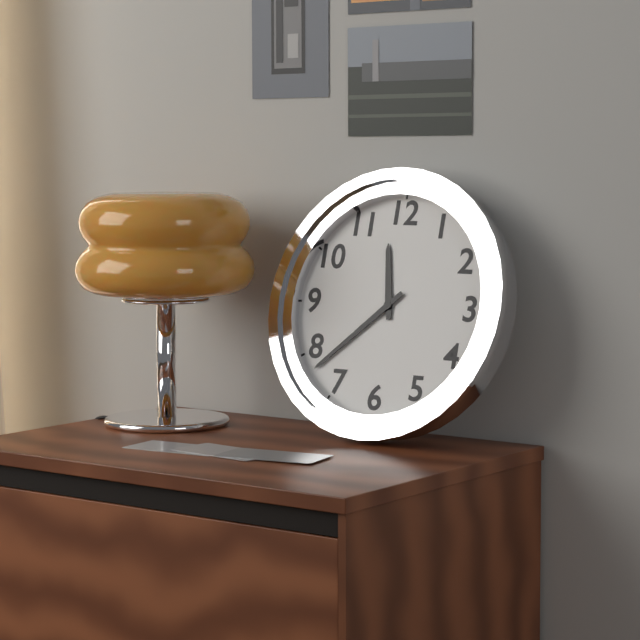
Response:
{"hour": 11, "minute": 38}
